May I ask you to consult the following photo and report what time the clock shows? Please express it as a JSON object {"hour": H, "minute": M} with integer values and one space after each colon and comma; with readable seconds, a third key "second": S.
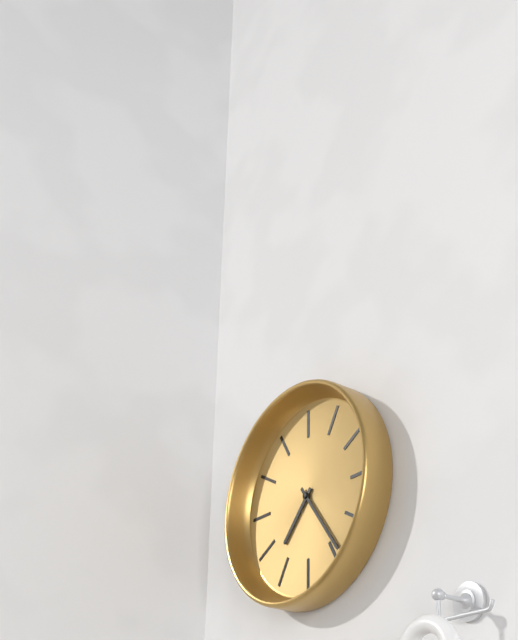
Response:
{"hour": 7, "minute": 24}
